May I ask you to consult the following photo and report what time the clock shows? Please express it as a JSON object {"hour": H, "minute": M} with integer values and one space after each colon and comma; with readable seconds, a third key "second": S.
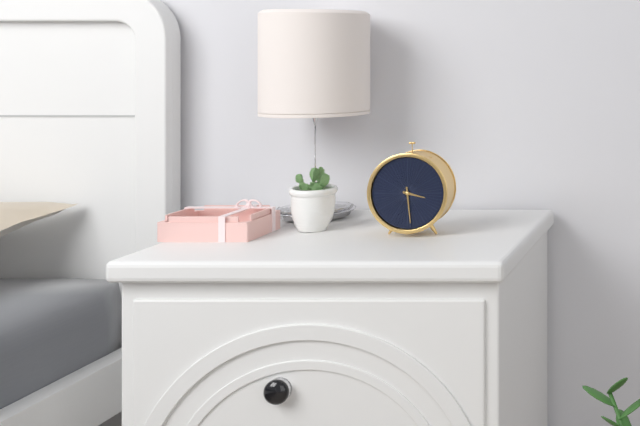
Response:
{"hour": 3, "minute": 29}
